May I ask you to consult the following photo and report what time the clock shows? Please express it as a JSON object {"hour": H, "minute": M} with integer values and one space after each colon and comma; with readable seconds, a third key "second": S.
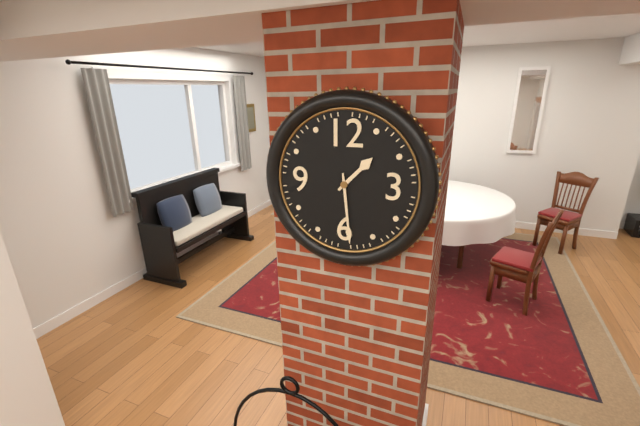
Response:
{"hour": 1, "minute": 29}
